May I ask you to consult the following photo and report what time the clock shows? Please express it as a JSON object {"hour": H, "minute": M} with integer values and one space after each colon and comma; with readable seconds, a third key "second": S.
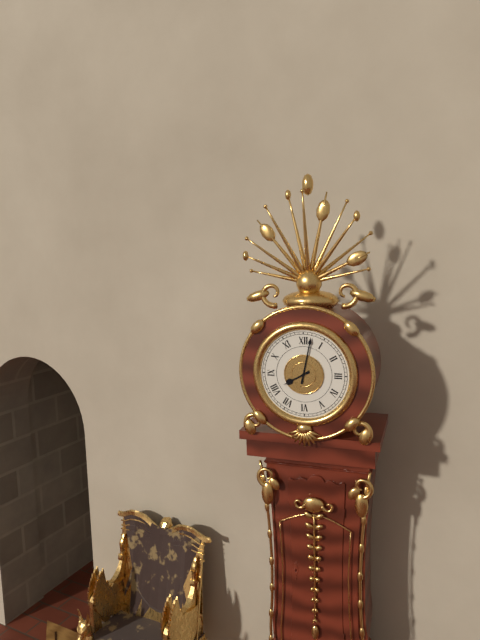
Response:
{"hour": 8, "minute": 2}
